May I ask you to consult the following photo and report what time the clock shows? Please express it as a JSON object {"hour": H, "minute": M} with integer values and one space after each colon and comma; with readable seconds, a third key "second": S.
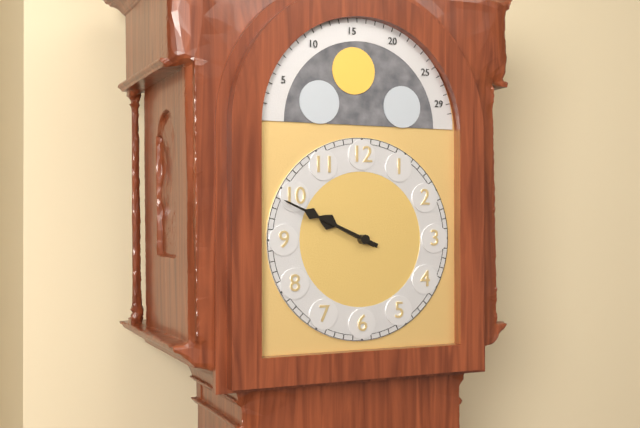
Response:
{"hour": 9, "minute": 49}
